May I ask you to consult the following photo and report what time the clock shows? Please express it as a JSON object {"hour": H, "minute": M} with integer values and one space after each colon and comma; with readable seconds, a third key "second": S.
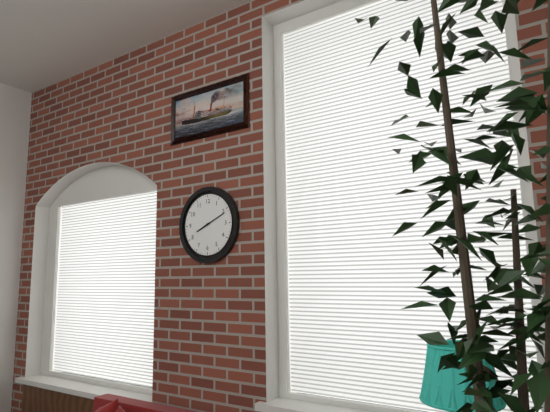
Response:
{"hour": 8, "minute": 11}
